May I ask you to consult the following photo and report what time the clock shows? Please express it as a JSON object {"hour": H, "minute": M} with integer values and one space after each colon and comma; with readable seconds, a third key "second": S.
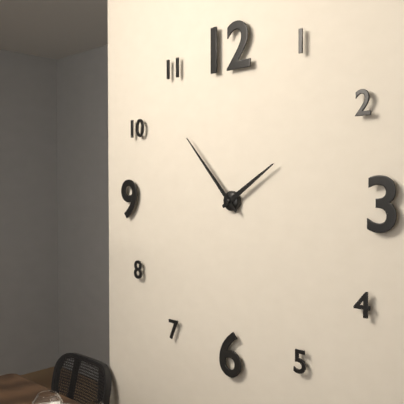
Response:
{"hour": 1, "minute": 53}
